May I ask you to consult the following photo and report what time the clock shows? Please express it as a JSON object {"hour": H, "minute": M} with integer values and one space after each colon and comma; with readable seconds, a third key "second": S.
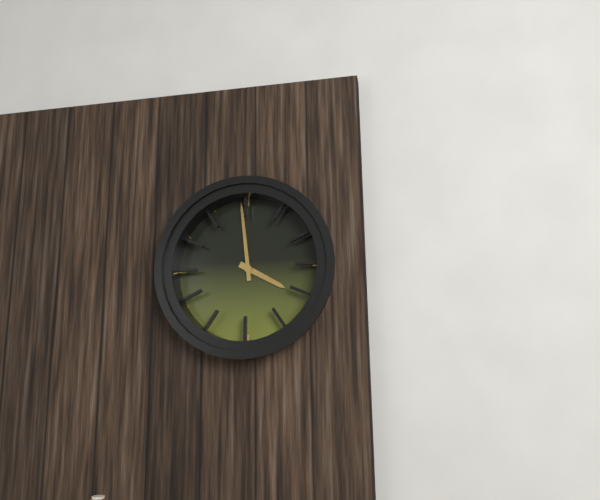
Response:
{"hour": 3, "minute": 59}
